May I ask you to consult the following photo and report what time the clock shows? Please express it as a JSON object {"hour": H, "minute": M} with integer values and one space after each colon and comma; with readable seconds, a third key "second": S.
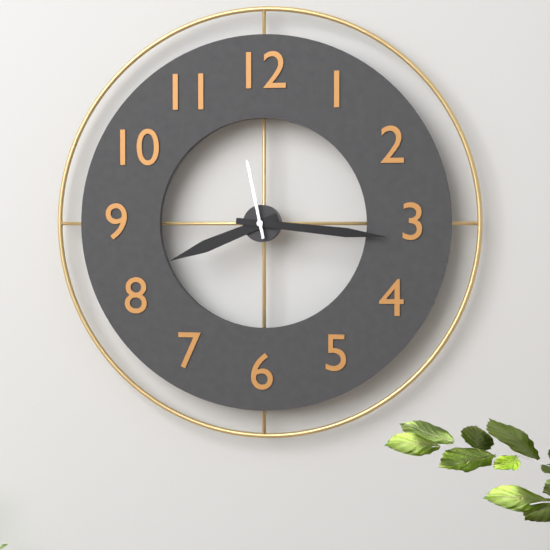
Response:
{"hour": 8, "minute": 16, "second": 58}
